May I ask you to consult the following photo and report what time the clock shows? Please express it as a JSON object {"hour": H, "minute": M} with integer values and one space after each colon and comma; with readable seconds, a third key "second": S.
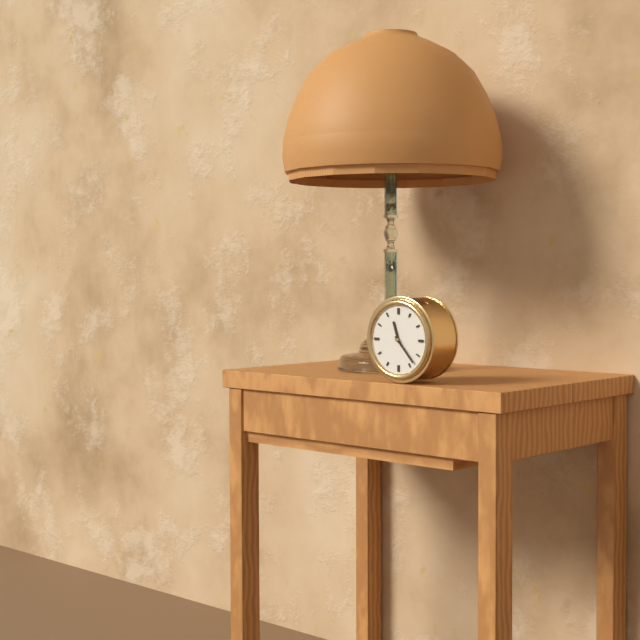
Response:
{"hour": 11, "minute": 23}
